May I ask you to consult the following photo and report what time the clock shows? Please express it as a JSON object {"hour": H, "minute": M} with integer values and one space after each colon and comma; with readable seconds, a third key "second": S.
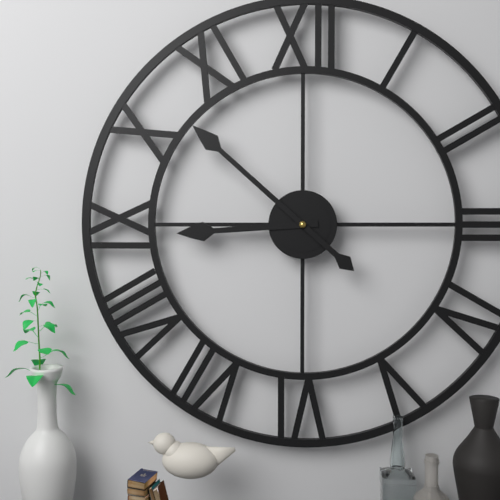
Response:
{"hour": 8, "minute": 52}
